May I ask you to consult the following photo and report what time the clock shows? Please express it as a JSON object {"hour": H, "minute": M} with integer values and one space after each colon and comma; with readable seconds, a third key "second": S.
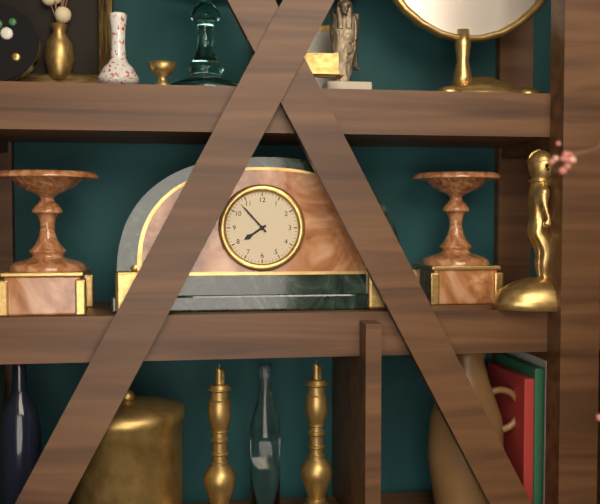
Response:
{"hour": 7, "minute": 53}
